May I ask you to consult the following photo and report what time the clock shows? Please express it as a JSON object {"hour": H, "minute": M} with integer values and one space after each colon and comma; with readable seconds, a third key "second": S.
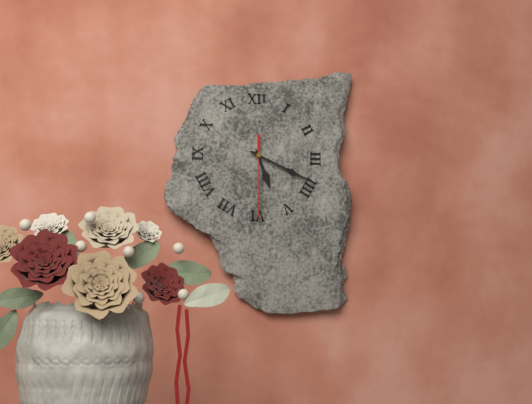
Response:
{"hour": 5, "minute": 19, "second": 30}
